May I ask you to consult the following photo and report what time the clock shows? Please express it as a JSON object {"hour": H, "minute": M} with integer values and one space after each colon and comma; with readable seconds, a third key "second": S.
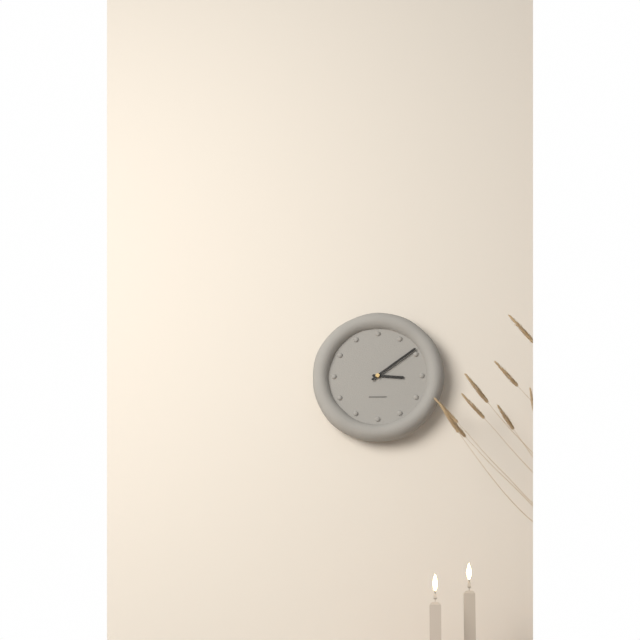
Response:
{"hour": 3, "minute": 9}
